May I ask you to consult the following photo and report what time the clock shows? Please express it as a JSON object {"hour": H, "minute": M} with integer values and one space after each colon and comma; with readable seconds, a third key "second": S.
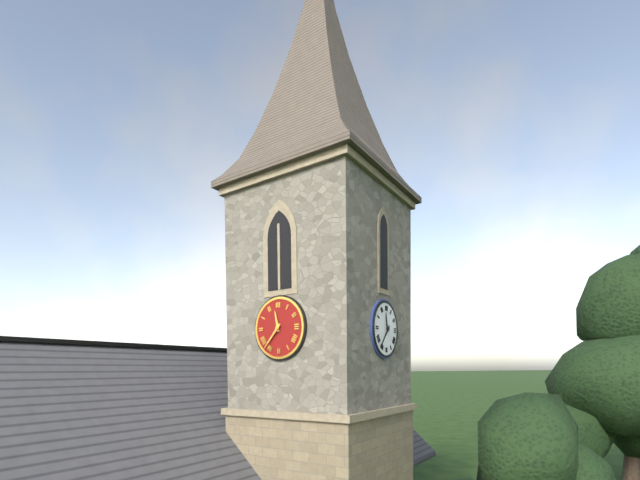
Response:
{"hour": 11, "minute": 37}
